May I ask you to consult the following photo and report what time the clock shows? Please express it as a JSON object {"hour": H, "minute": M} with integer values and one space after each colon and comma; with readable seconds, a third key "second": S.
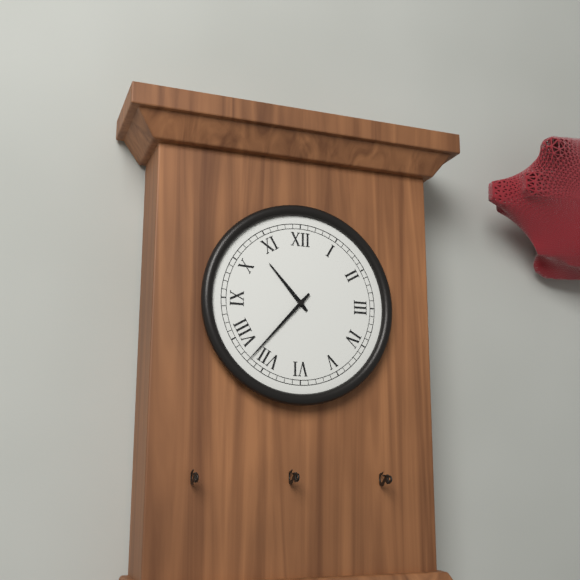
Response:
{"hour": 10, "minute": 37}
